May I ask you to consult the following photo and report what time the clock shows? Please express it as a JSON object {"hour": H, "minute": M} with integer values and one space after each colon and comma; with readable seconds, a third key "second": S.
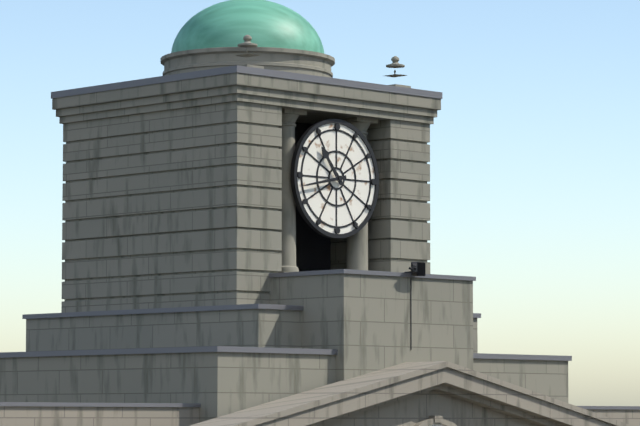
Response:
{"hour": 10, "minute": 43}
